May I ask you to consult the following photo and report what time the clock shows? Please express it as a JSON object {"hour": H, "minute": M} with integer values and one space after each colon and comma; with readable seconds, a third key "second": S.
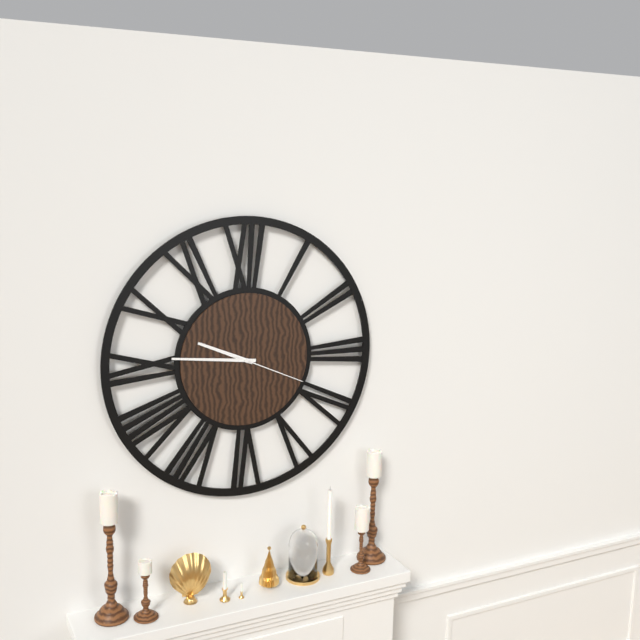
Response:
{"hour": 9, "minute": 46, "second": 19}
